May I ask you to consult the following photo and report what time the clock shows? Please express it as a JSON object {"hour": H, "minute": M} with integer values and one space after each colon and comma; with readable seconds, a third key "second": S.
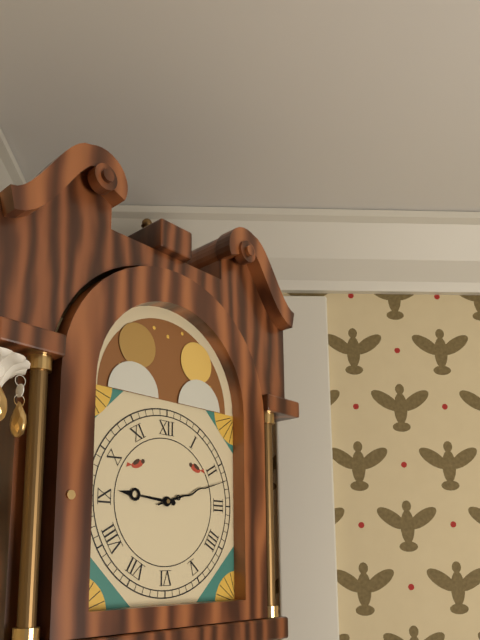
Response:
{"hour": 9, "minute": 12}
